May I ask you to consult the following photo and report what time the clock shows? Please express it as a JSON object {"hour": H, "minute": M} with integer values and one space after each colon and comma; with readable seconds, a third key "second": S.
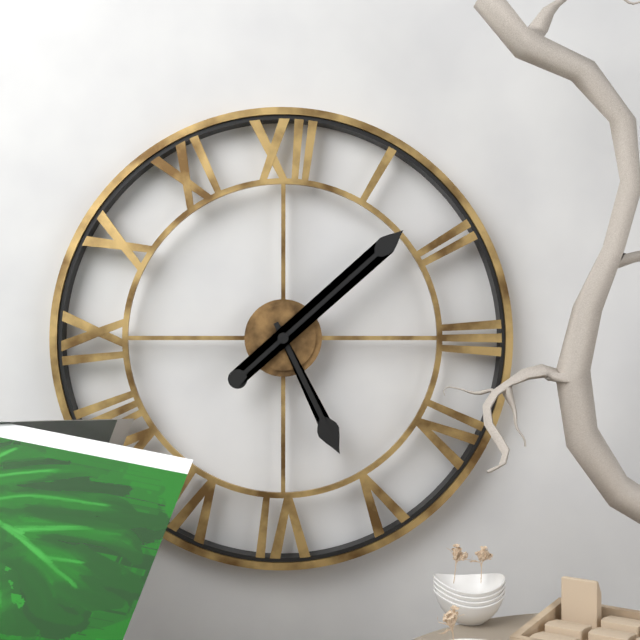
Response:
{"hour": 5, "minute": 8}
